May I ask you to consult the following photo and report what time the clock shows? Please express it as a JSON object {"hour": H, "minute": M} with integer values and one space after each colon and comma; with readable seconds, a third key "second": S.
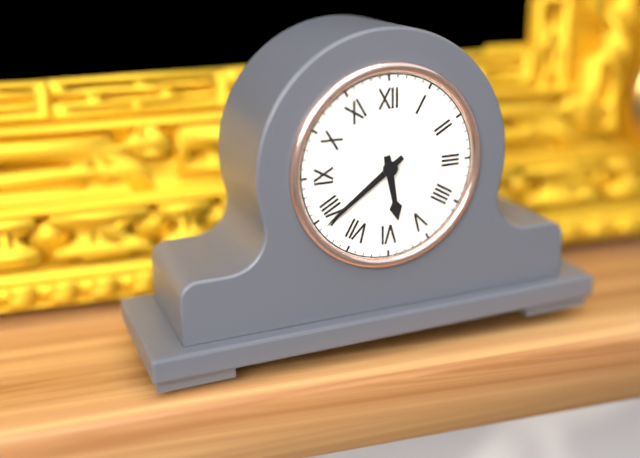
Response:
{"hour": 5, "minute": 39}
